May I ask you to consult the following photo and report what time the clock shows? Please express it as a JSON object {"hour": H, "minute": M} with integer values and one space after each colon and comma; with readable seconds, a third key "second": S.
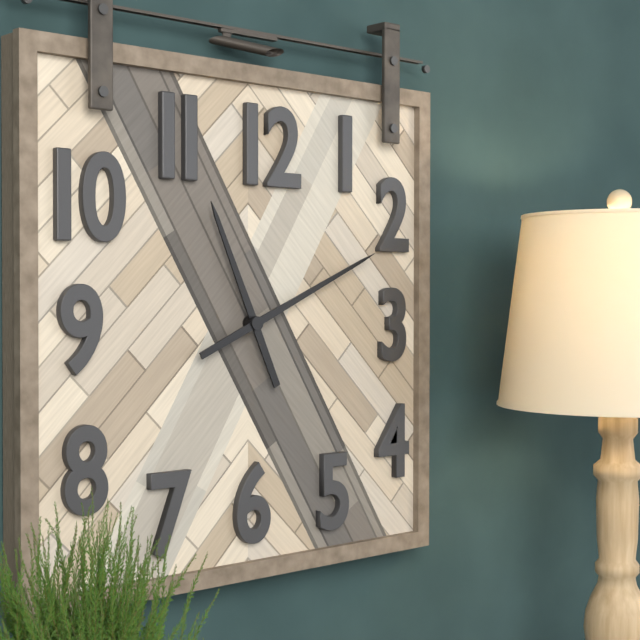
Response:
{"hour": 11, "minute": 11}
